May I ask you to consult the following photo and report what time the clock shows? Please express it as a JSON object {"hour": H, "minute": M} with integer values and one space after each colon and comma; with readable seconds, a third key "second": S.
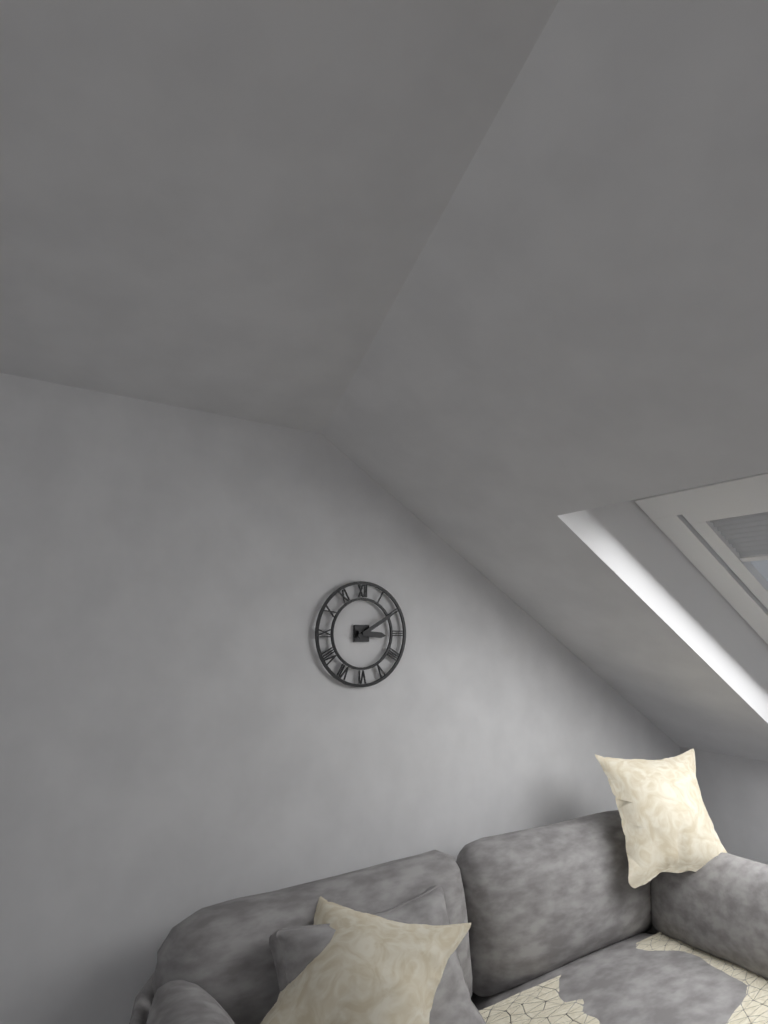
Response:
{"hour": 3, "minute": 10}
